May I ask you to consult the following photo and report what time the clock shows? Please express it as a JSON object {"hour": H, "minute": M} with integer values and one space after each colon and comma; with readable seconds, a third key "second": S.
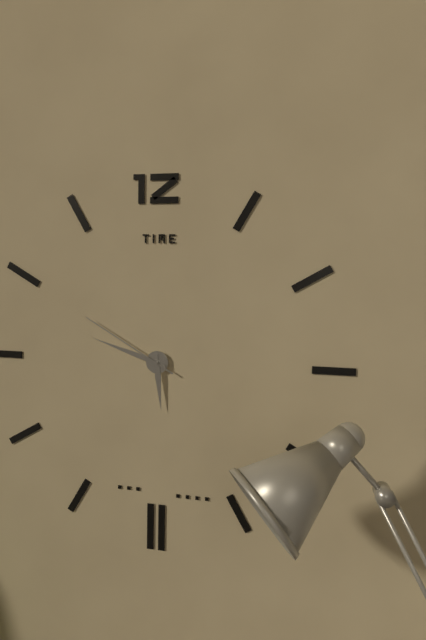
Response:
{"hour": 5, "minute": 48, "second": 50}
